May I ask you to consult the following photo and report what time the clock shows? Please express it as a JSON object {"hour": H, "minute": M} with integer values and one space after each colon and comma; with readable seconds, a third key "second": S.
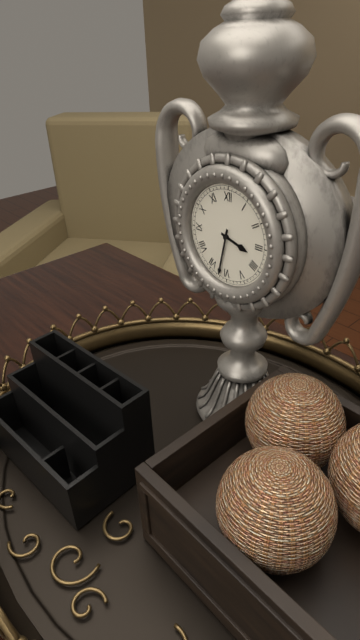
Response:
{"hour": 3, "minute": 32}
